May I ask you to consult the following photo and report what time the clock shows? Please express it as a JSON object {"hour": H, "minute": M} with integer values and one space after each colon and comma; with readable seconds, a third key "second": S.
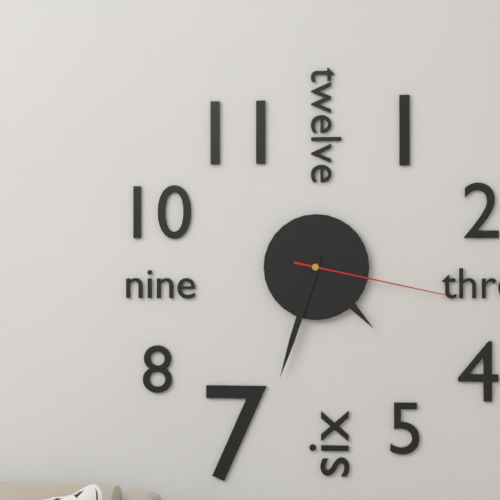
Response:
{"hour": 4, "minute": 33, "second": 17}
